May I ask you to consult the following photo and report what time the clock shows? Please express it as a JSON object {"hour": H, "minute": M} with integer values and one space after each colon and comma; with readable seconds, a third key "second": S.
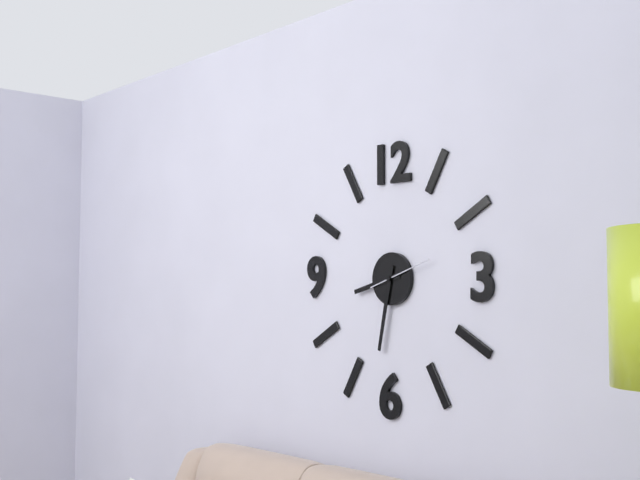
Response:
{"hour": 8, "minute": 32, "second": 12}
